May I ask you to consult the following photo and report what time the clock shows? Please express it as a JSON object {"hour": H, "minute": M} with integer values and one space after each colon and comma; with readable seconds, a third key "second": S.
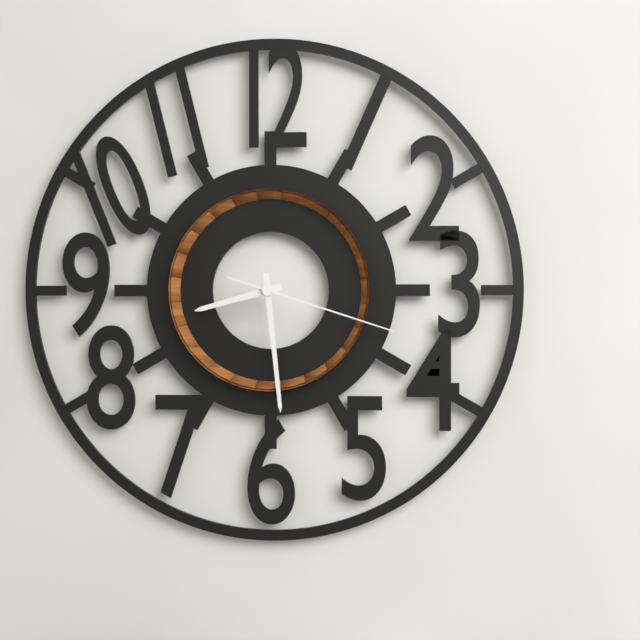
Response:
{"hour": 8, "minute": 29, "second": 18}
